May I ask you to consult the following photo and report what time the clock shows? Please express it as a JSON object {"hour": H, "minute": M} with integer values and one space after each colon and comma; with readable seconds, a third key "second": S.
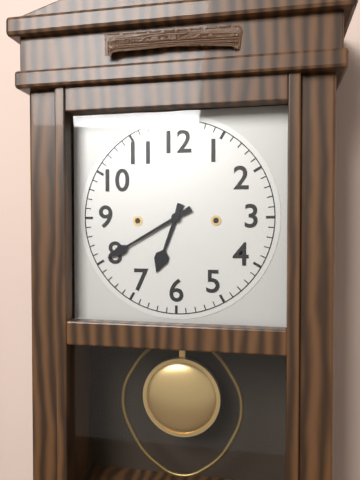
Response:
{"hour": 6, "minute": 40}
